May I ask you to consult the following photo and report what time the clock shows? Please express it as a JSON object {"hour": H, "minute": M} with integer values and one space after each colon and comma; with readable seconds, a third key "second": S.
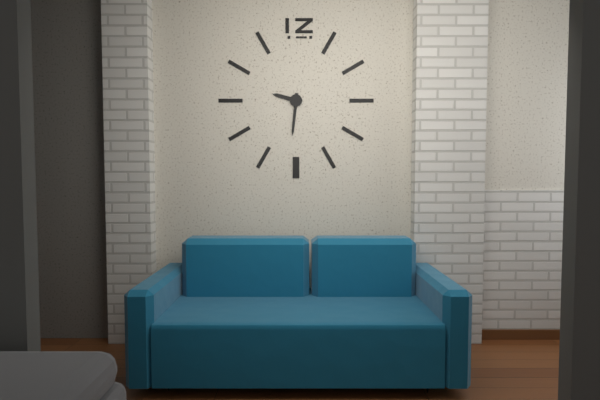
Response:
{"hour": 9, "minute": 31}
